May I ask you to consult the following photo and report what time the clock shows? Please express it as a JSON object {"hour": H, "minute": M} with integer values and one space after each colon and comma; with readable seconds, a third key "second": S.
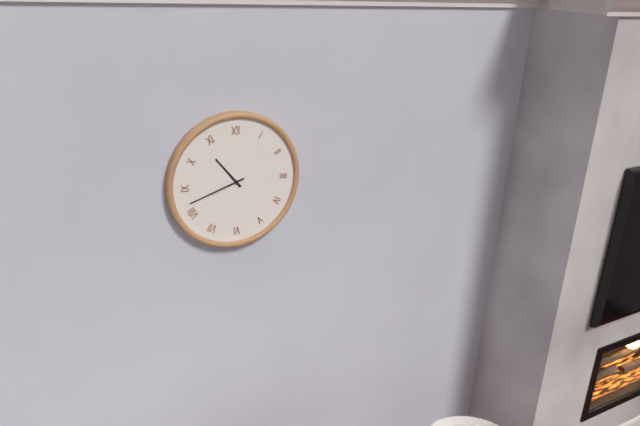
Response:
{"hour": 10, "minute": 42}
